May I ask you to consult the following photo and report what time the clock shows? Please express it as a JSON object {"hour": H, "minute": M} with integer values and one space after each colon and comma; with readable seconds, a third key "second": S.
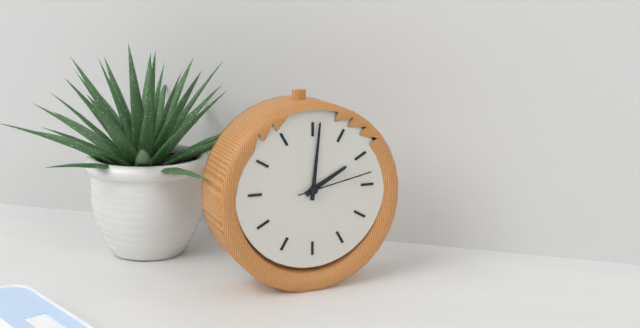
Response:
{"hour": 2, "minute": 1, "second": 13}
